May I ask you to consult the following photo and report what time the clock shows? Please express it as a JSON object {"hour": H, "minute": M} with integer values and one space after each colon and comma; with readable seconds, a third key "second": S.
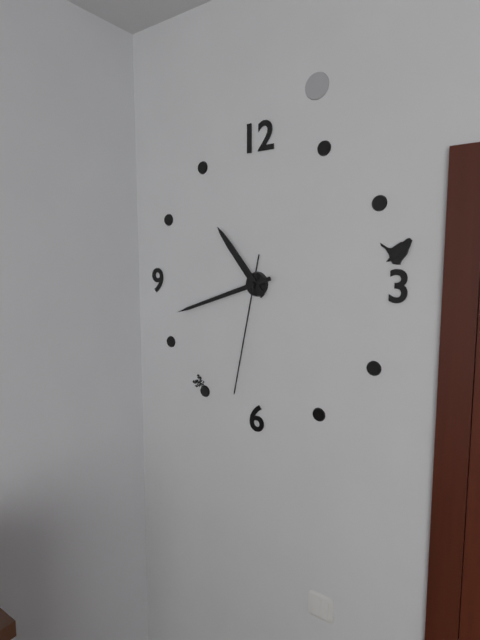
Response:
{"hour": 10, "minute": 42, "second": 32}
